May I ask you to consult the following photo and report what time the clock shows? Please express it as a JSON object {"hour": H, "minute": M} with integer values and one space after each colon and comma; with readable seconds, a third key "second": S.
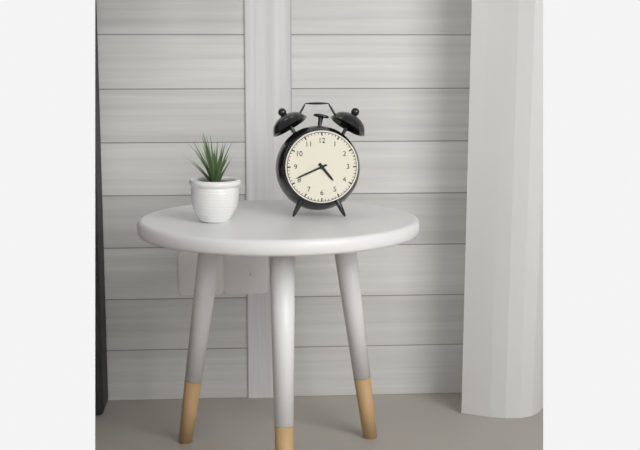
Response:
{"hour": 4, "minute": 41}
